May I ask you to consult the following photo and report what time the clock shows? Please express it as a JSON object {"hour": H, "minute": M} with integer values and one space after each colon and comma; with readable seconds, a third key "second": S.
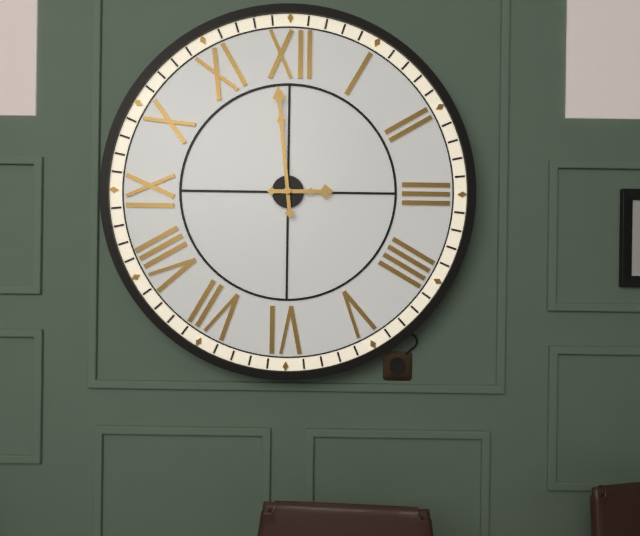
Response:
{"hour": 2, "minute": 59}
